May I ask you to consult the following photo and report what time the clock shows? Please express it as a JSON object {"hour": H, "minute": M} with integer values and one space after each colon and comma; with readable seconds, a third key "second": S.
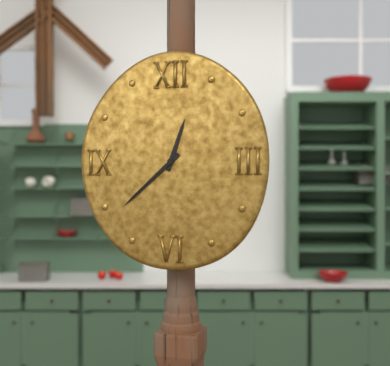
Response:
{"hour": 12, "minute": 38}
